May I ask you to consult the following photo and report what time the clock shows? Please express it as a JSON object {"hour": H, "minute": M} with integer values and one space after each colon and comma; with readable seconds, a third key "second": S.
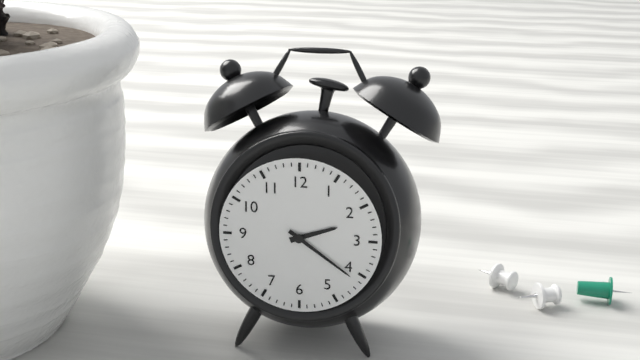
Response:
{"hour": 2, "minute": 21}
